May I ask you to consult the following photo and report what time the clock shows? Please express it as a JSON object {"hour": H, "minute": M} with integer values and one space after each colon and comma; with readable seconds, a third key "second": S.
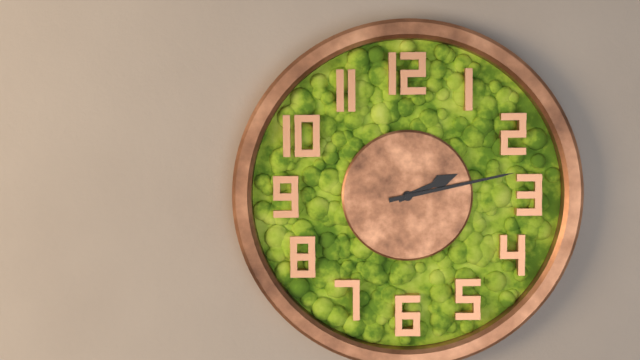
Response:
{"hour": 2, "minute": 13}
